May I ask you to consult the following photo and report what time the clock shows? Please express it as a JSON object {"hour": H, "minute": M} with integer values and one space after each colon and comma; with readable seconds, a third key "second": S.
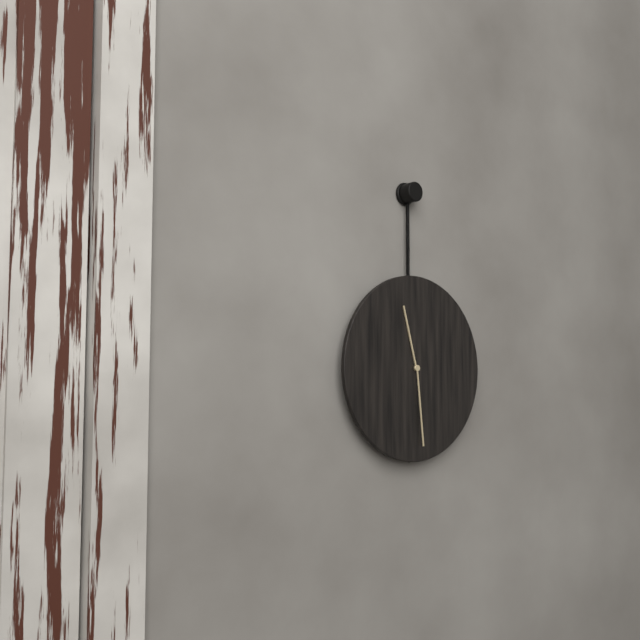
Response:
{"hour": 11, "minute": 29}
